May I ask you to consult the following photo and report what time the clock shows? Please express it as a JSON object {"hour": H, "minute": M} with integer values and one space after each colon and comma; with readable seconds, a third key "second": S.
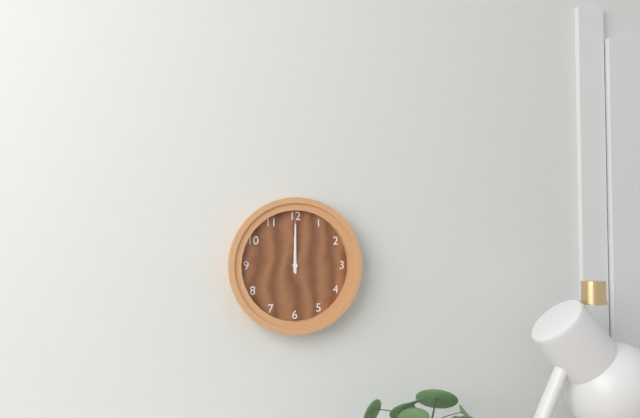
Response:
{"hour": 12, "minute": 0}
